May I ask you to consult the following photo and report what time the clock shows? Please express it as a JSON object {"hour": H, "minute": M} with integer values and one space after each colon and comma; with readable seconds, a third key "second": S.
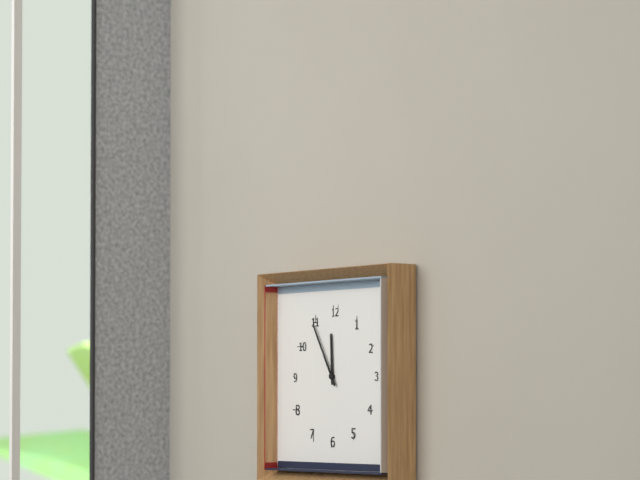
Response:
{"hour": 11, "minute": 55}
